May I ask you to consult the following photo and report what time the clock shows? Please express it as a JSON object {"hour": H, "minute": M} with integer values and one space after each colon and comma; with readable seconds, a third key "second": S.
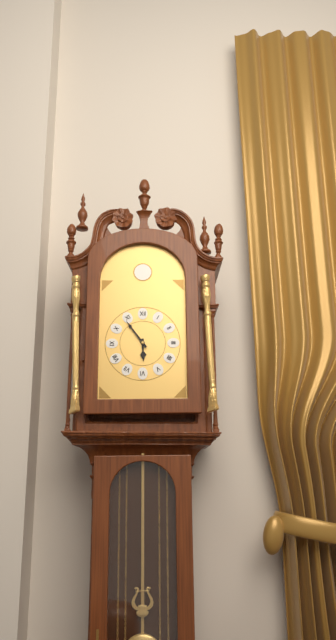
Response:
{"hour": 5, "minute": 54}
